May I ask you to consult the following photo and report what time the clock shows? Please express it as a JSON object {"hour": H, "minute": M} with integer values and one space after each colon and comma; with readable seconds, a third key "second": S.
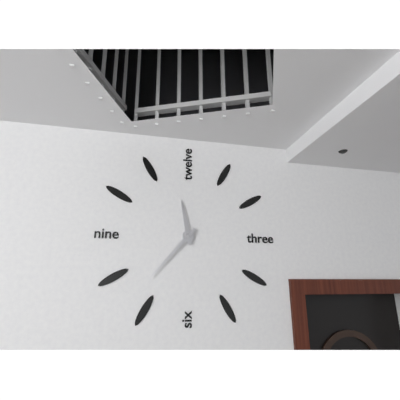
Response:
{"hour": 11, "minute": 37}
